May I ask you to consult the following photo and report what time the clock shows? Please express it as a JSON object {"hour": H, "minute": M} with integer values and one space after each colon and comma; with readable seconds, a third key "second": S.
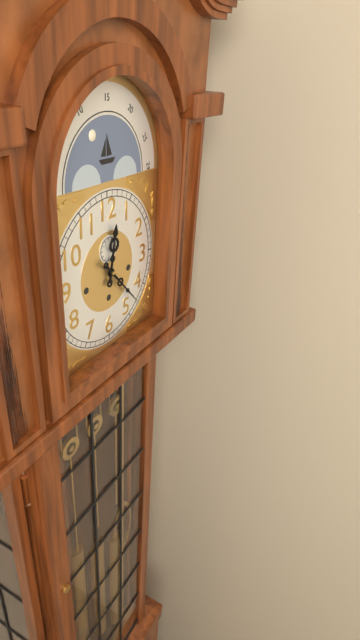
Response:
{"hour": 12, "minute": 23}
